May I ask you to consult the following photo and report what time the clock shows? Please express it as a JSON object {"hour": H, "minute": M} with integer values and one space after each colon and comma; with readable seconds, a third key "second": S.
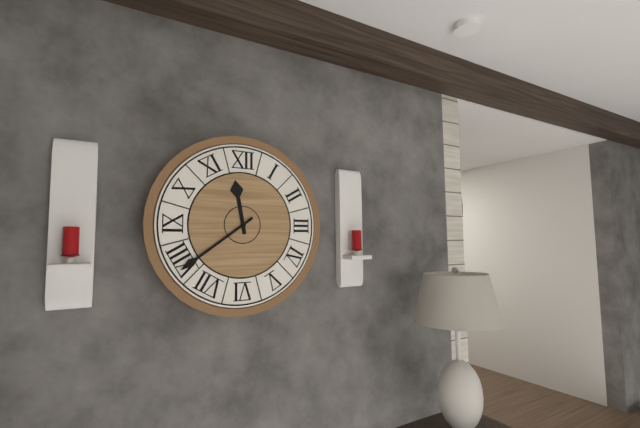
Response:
{"hour": 11, "minute": 39}
